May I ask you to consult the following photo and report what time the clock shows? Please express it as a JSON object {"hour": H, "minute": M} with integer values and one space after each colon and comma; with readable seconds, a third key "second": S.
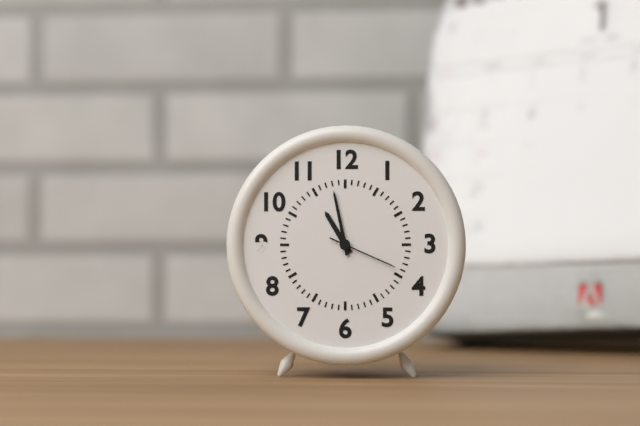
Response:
{"hour": 10, "minute": 58, "second": 19}
